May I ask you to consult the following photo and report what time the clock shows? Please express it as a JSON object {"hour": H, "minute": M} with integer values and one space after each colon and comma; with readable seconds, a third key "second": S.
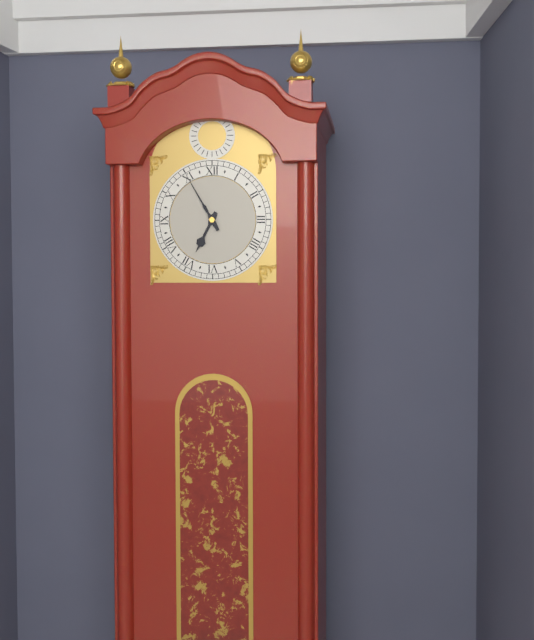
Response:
{"hour": 6, "minute": 55}
